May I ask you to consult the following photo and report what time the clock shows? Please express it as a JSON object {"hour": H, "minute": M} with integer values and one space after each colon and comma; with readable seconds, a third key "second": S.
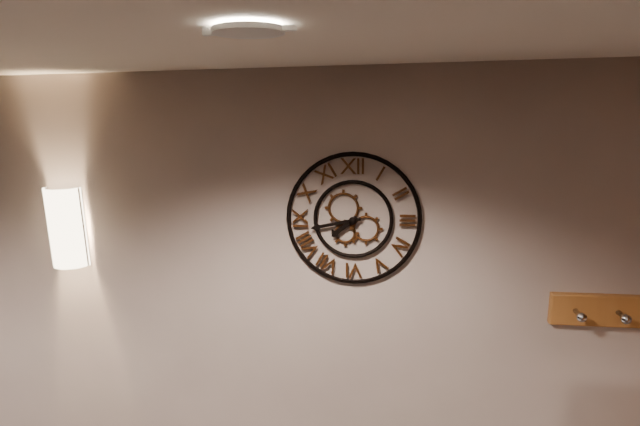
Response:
{"hour": 7, "minute": 43}
